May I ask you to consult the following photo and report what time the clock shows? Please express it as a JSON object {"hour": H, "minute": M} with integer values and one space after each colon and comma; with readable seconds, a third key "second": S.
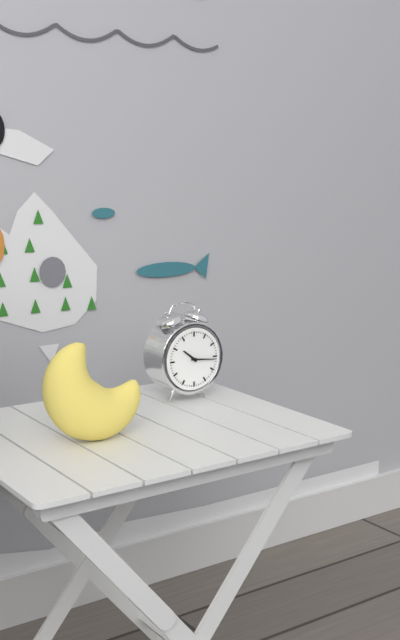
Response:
{"hour": 10, "minute": 16}
